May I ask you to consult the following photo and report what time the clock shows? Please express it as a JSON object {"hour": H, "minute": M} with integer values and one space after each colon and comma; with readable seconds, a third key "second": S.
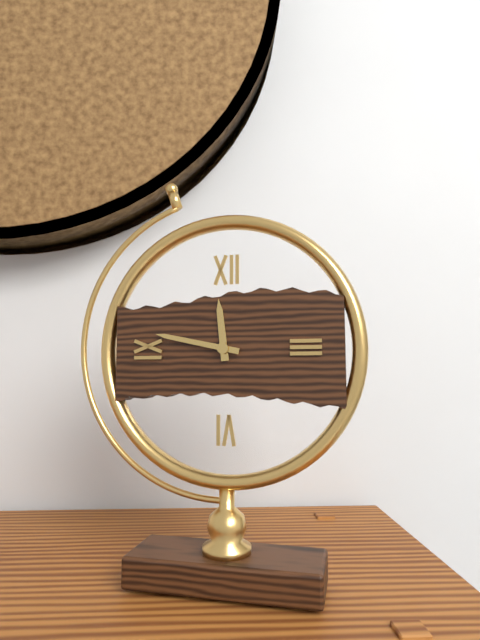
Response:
{"hour": 11, "minute": 47}
